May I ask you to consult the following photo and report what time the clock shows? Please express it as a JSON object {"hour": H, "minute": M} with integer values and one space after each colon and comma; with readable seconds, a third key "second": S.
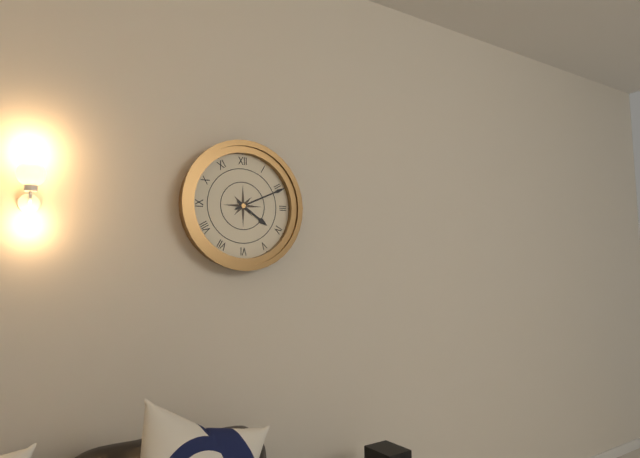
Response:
{"hour": 4, "minute": 11}
